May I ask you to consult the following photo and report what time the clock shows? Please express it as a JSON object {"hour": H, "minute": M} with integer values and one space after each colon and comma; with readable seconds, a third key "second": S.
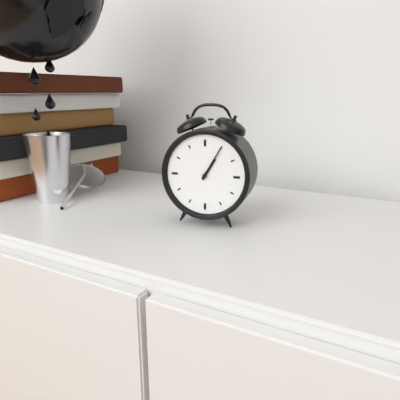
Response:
{"hour": 1, "minute": 5}
